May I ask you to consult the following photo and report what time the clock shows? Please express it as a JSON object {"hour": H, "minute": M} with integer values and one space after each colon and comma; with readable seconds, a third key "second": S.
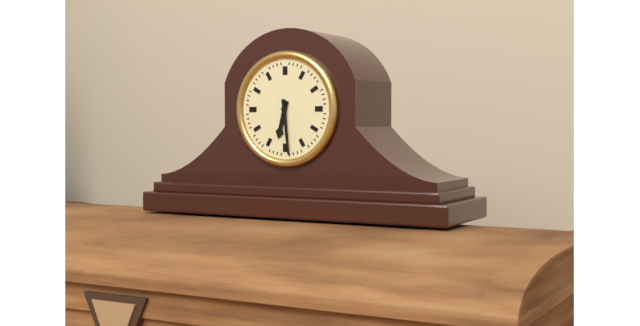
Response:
{"hour": 6, "minute": 29}
